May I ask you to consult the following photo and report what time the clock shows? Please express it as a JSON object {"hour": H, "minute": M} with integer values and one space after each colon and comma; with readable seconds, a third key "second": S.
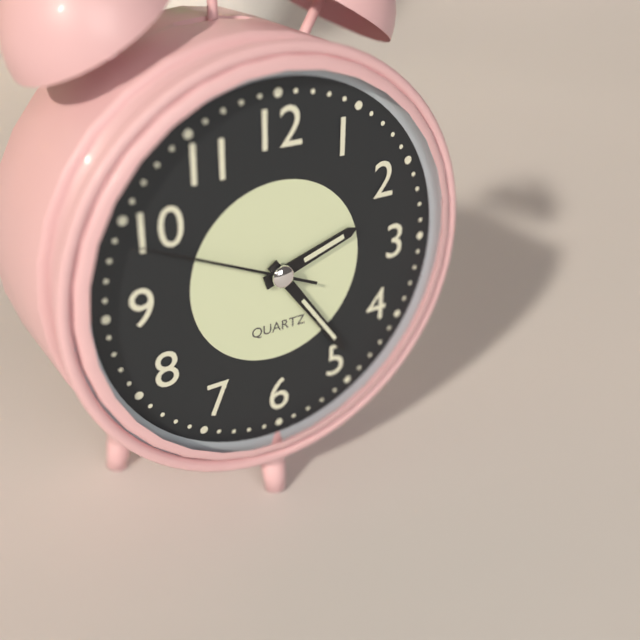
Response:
{"hour": 2, "minute": 24, "second": 49}
